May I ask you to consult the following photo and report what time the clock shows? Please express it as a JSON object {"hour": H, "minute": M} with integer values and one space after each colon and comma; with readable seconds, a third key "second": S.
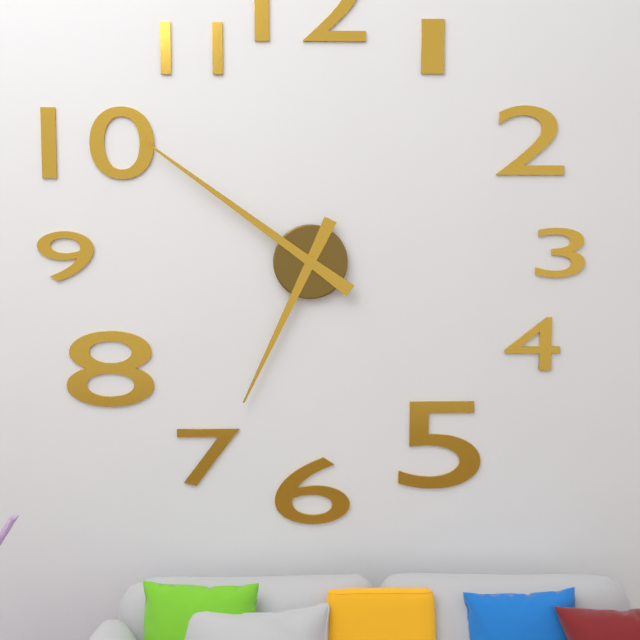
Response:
{"hour": 6, "minute": 51}
